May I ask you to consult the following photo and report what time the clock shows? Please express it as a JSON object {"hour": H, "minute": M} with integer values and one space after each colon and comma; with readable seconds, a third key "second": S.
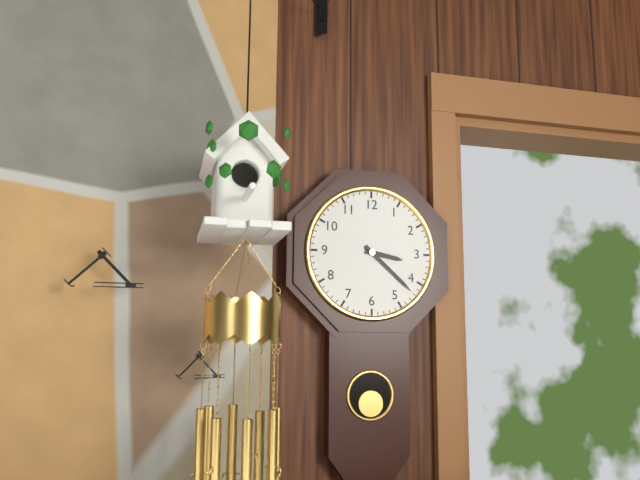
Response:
{"hour": 3, "minute": 22}
